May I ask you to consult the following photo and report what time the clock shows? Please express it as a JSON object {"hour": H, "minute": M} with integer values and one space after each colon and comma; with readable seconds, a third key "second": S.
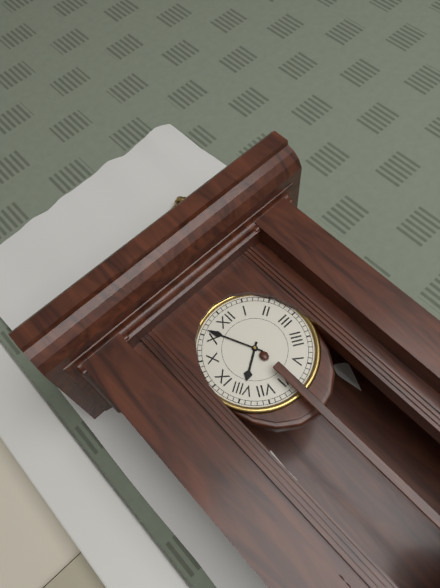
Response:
{"hour": 7, "minute": 56}
